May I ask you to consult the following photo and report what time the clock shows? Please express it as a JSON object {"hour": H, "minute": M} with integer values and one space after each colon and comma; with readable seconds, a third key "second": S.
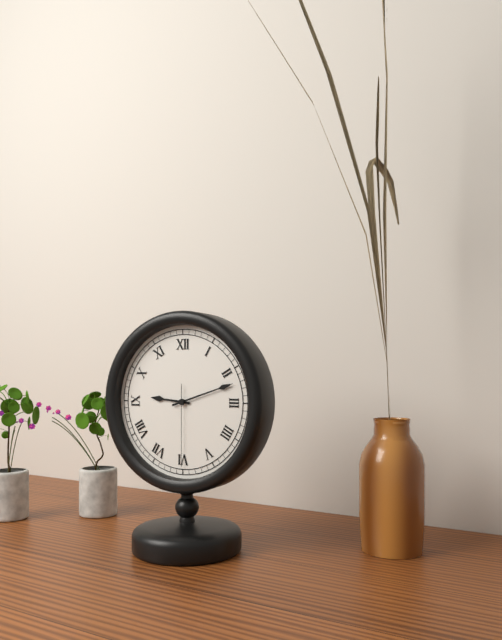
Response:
{"hour": 9, "minute": 12, "second": 30}
